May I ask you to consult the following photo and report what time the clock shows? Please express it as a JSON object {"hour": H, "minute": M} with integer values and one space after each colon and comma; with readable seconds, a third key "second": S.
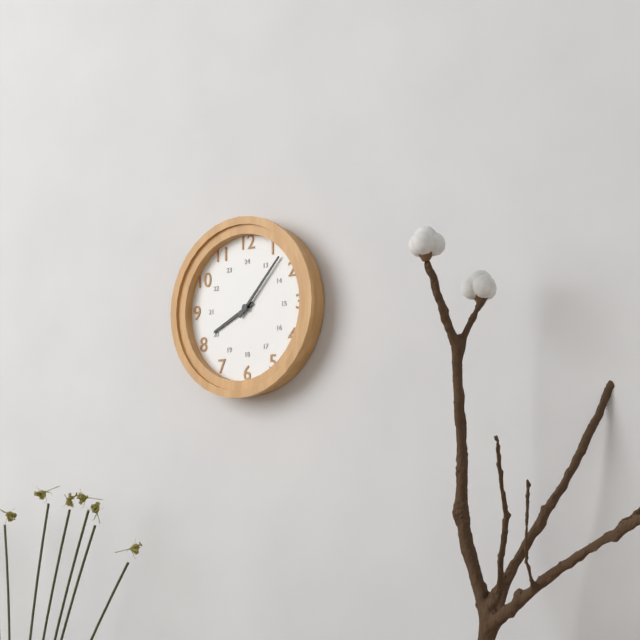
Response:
{"hour": 8, "minute": 7}
